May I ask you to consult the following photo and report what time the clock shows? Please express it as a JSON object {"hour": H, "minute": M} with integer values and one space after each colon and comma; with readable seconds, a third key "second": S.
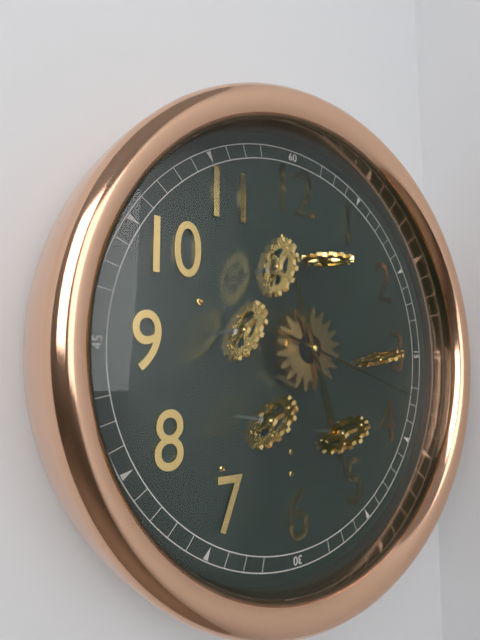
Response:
{"hour": 11, "minute": 27, "second": 18}
